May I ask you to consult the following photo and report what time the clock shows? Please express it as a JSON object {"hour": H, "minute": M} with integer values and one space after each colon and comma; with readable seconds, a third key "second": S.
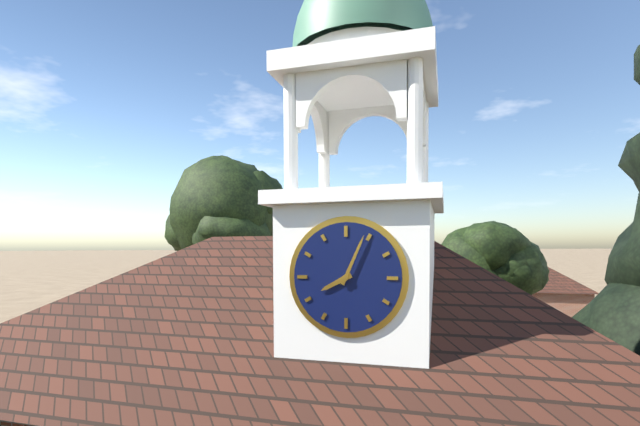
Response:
{"hour": 8, "minute": 4}
